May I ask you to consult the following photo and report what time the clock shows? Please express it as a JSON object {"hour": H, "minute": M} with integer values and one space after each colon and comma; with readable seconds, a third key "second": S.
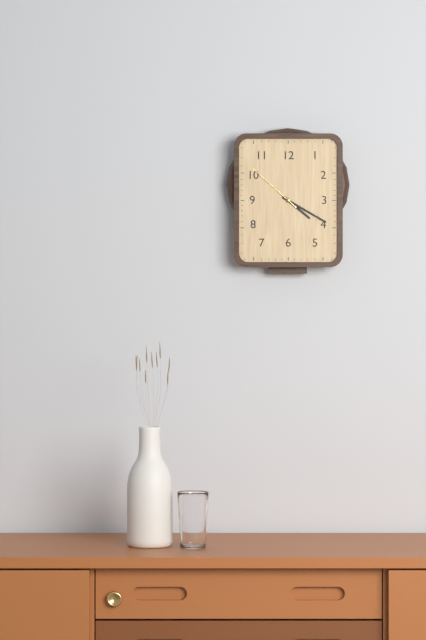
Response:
{"hour": 4, "minute": 20, "second": 52}
